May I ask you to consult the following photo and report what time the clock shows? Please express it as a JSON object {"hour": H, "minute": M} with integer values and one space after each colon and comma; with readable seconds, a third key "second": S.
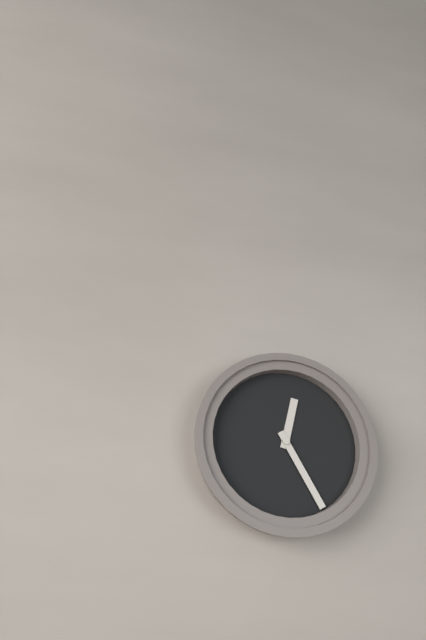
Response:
{"hour": 12, "minute": 25}
